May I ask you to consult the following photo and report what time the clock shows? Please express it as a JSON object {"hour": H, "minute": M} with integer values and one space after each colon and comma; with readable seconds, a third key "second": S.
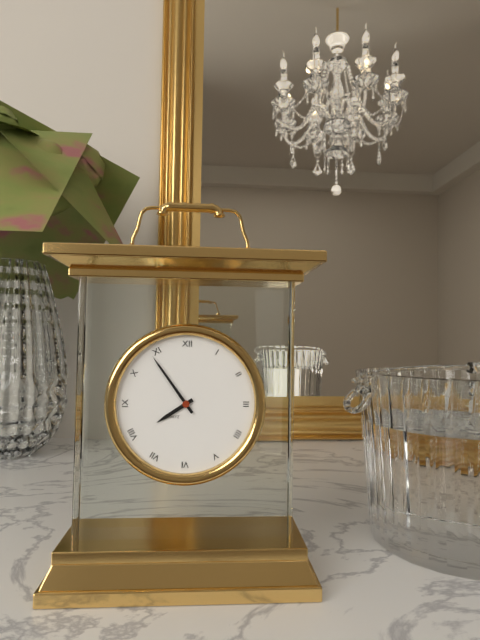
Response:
{"hour": 7, "minute": 54}
